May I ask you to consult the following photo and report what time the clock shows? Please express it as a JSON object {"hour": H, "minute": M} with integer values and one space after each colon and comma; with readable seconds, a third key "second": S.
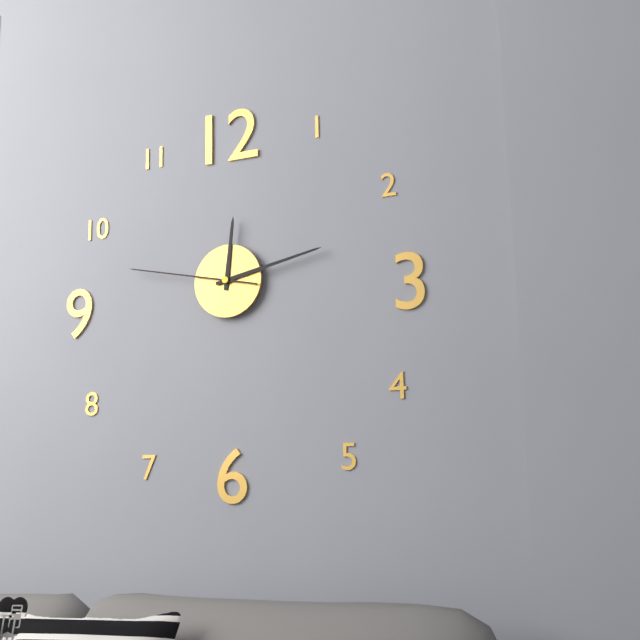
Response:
{"hour": 12, "minute": 13, "second": 47}
